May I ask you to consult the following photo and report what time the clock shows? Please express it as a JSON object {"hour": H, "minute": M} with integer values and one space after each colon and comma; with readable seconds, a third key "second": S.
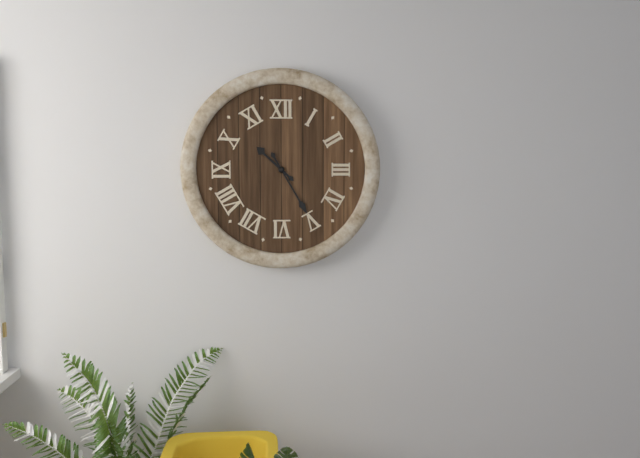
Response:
{"hour": 10, "minute": 25}
